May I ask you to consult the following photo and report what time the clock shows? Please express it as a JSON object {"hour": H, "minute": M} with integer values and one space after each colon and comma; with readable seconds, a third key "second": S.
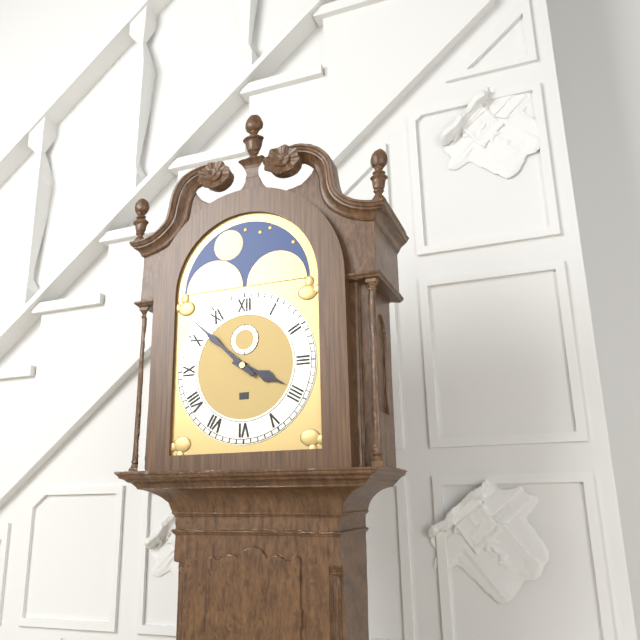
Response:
{"hour": 3, "minute": 52}
